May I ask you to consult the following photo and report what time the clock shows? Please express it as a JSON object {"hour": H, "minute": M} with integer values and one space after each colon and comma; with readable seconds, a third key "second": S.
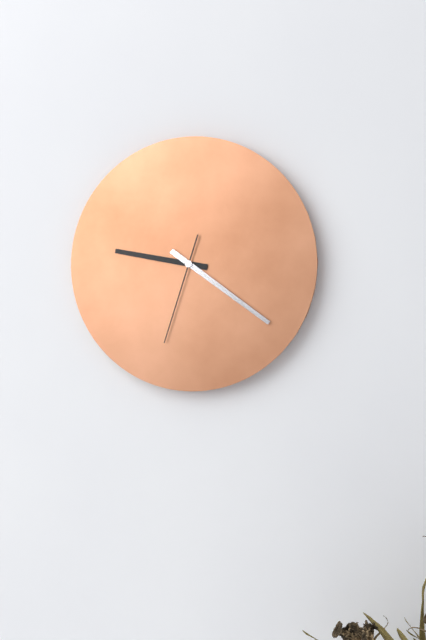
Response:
{"hour": 9, "minute": 21, "second": 33}
